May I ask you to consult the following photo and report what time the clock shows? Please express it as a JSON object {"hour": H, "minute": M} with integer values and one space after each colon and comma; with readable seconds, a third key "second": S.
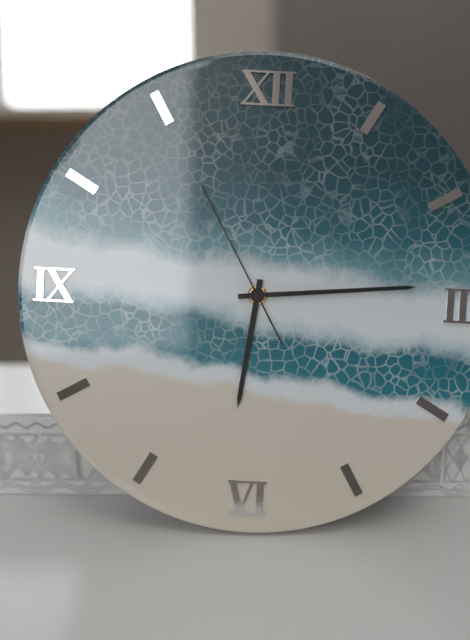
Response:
{"hour": 6, "minute": 14, "second": 55}
